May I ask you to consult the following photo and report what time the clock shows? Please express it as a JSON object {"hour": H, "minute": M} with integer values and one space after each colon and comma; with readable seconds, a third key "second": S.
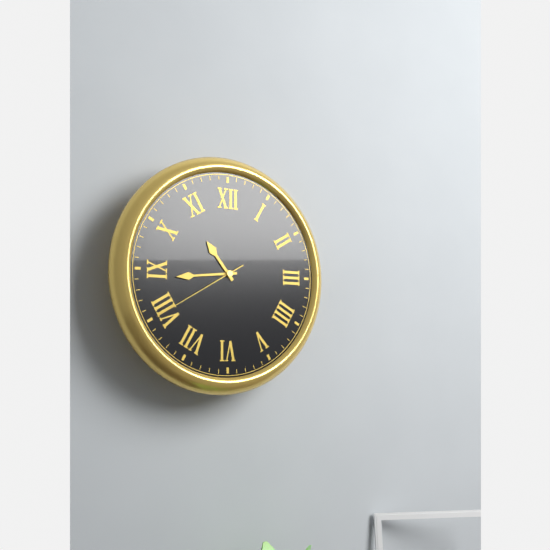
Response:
{"hour": 10, "minute": 44, "second": 40}
